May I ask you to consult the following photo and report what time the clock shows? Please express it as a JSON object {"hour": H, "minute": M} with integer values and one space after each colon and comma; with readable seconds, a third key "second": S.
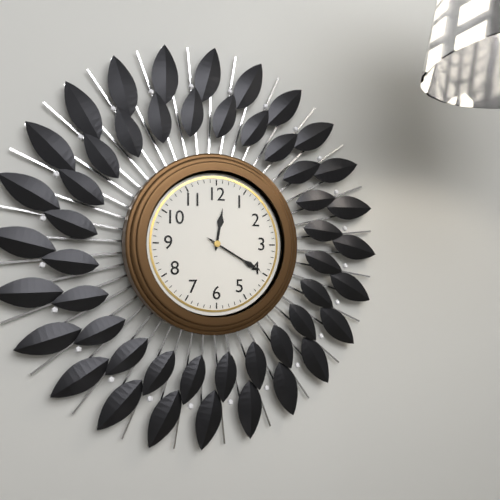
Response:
{"hour": 12, "minute": 20}
